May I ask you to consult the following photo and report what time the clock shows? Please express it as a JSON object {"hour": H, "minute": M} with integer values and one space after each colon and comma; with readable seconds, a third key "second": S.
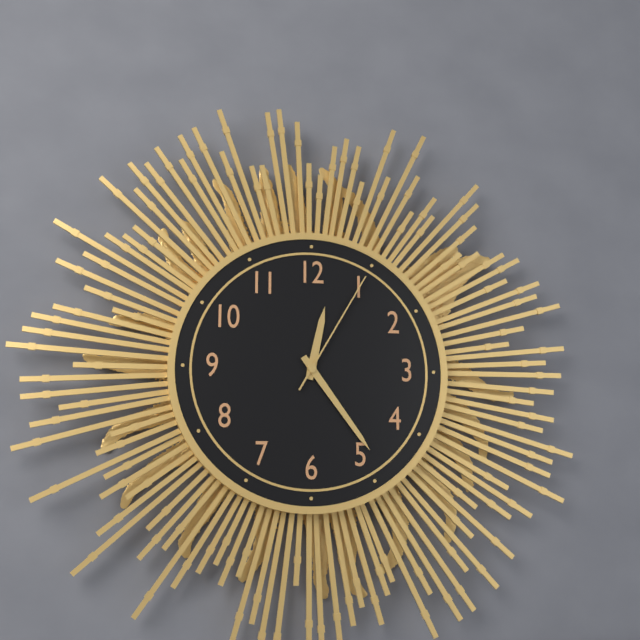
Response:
{"hour": 12, "minute": 24, "second": 5}
